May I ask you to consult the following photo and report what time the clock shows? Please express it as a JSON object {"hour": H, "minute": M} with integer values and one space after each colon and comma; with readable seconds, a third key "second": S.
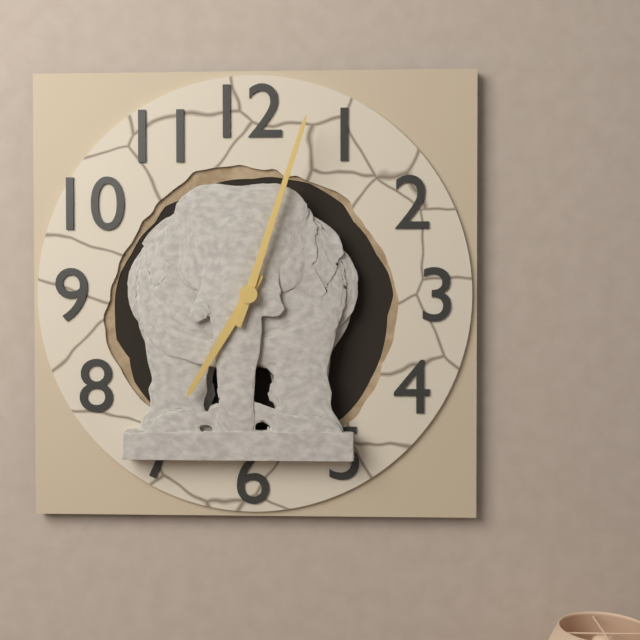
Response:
{"hour": 7, "minute": 3}
